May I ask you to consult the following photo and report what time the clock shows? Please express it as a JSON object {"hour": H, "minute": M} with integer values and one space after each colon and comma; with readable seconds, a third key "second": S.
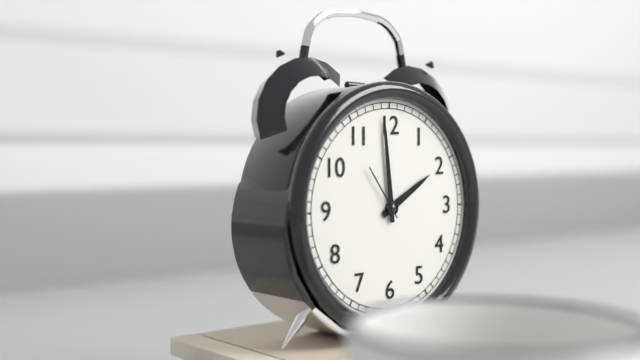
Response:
{"hour": 1, "minute": 59, "second": 54}
